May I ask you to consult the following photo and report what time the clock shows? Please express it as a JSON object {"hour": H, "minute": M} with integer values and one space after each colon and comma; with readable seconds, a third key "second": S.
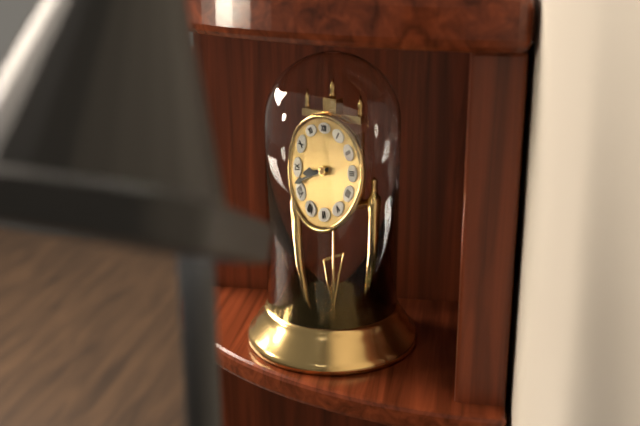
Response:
{"hour": 8, "minute": 42}
